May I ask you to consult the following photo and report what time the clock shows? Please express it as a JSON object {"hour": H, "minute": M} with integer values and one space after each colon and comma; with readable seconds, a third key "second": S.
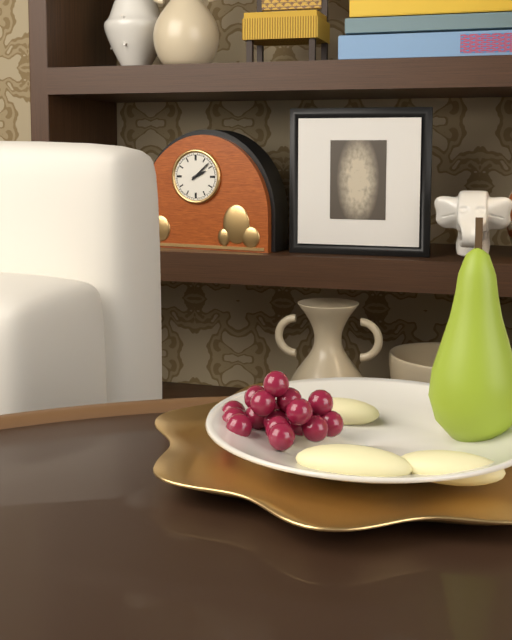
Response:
{"hour": 2, "minute": 8}
